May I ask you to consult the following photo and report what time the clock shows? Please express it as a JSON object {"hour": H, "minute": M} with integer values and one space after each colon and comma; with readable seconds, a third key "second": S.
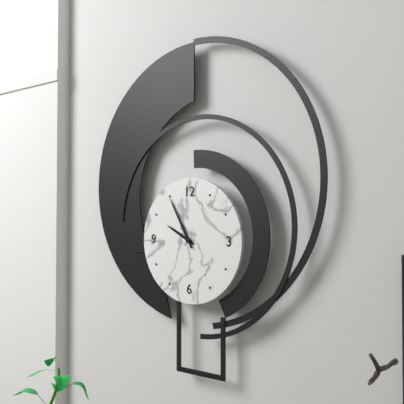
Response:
{"hour": 9, "minute": 55}
